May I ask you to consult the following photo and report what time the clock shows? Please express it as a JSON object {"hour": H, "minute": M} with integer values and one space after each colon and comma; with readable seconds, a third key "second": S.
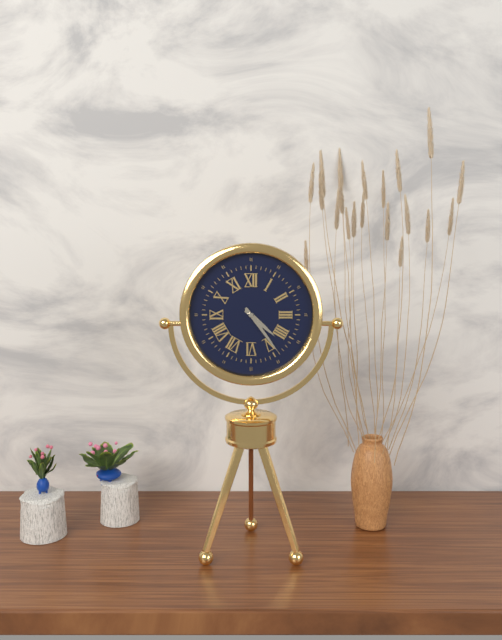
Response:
{"hour": 4, "minute": 24}
